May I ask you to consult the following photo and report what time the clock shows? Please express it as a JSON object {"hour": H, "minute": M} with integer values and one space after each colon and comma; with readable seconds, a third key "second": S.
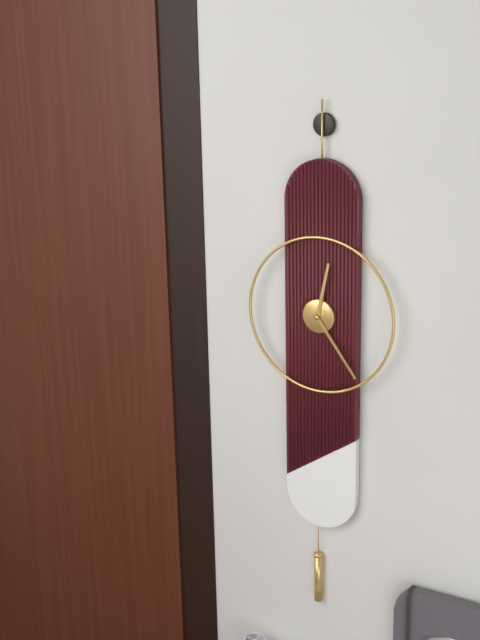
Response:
{"hour": 12, "minute": 24}
